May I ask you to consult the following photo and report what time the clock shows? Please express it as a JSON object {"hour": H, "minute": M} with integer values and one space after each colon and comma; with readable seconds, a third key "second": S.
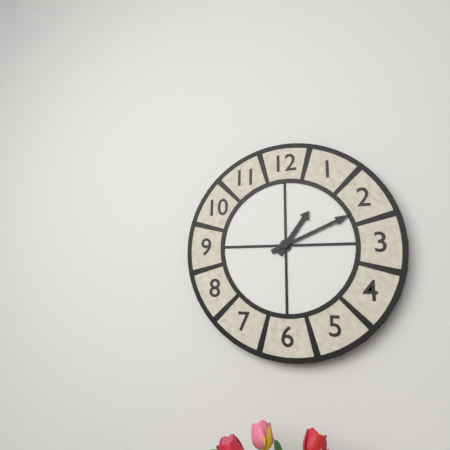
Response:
{"hour": 1, "minute": 11}
